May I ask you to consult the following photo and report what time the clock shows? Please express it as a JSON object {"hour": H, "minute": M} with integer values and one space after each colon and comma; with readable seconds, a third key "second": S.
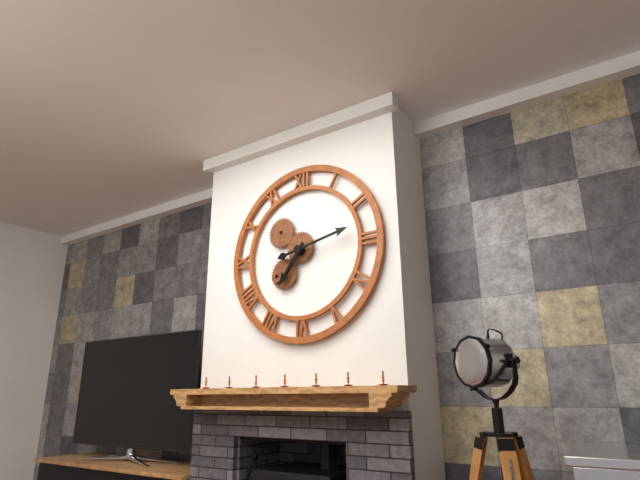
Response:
{"hour": 7, "minute": 13}
